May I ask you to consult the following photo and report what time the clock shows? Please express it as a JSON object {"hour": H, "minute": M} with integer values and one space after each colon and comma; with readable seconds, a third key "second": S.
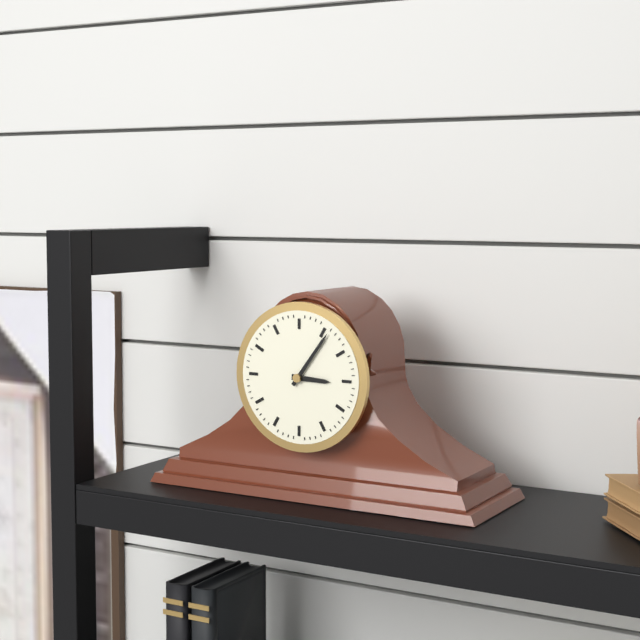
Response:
{"hour": 3, "minute": 6}
